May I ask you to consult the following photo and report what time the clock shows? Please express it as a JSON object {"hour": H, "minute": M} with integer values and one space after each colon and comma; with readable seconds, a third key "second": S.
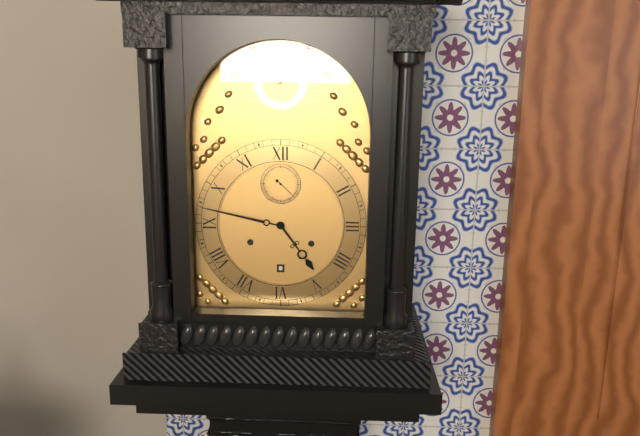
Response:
{"hour": 4, "minute": 47}
